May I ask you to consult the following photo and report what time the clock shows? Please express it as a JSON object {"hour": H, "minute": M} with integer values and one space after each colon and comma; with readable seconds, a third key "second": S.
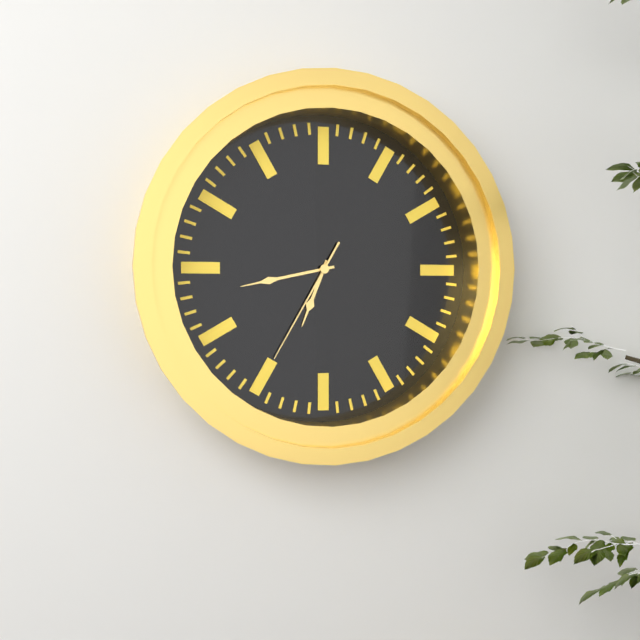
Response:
{"hour": 6, "minute": 43, "second": 35}
